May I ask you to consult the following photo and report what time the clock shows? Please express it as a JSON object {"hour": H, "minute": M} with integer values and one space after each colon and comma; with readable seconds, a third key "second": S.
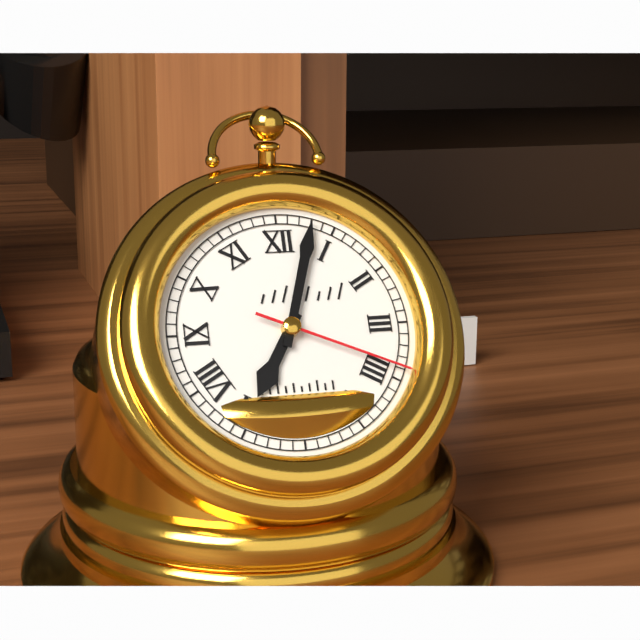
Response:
{"hour": 7, "minute": 3, "second": 19}
